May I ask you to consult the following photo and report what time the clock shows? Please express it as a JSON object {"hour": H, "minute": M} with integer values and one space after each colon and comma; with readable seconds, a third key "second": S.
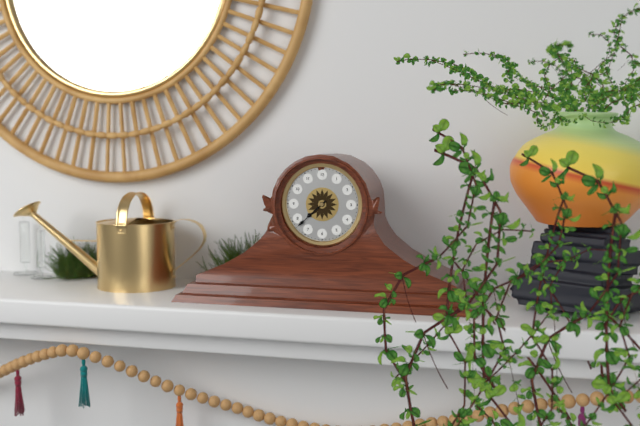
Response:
{"hour": 7, "minute": 38}
